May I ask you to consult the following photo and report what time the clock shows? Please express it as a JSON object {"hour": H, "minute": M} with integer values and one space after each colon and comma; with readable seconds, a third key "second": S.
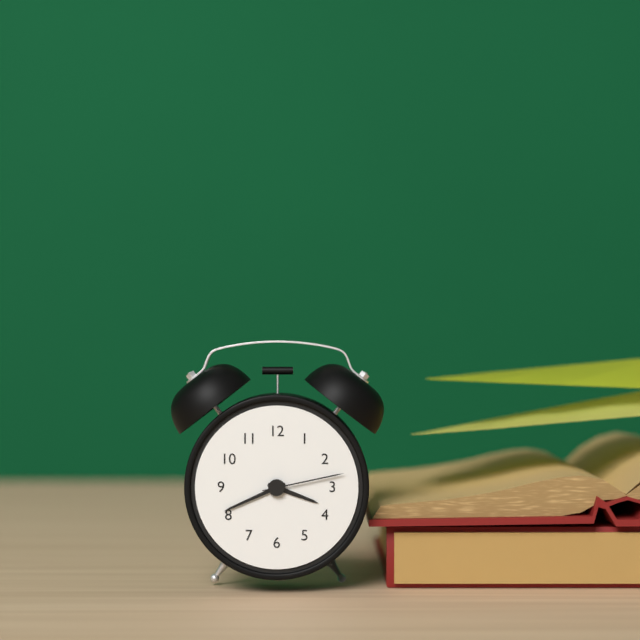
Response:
{"hour": 3, "minute": 41, "second": 13}
